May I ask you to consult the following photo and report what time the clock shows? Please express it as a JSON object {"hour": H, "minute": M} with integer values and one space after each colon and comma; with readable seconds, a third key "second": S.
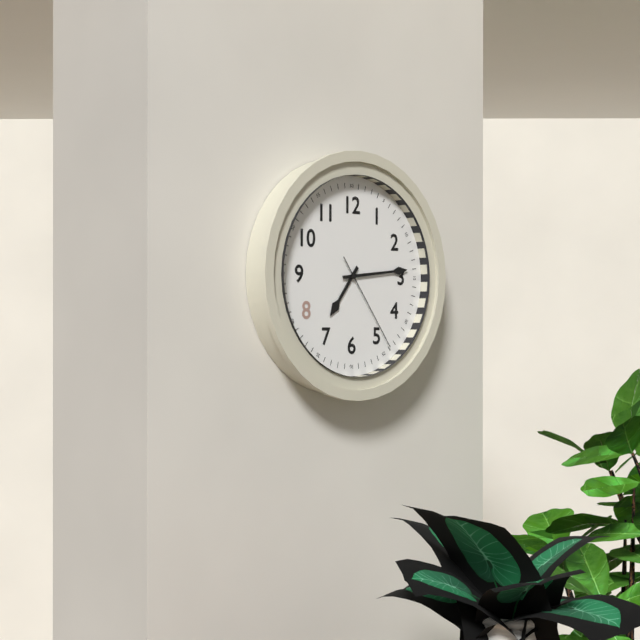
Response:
{"hour": 7, "minute": 14, "second": 24}
